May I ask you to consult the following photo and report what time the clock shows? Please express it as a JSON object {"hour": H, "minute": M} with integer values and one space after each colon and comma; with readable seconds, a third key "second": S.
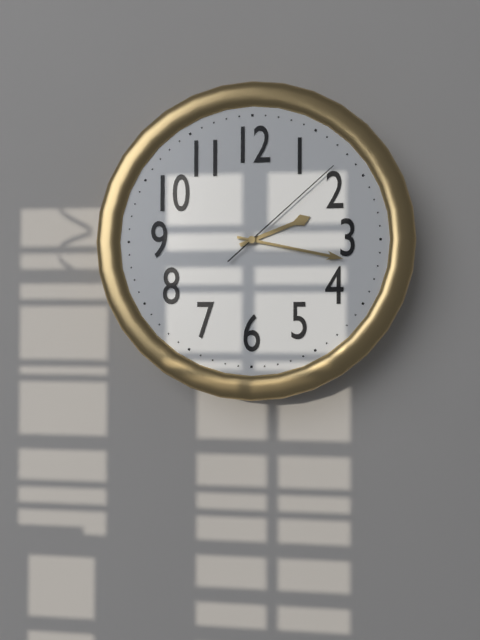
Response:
{"hour": 2, "minute": 17, "second": 8}
